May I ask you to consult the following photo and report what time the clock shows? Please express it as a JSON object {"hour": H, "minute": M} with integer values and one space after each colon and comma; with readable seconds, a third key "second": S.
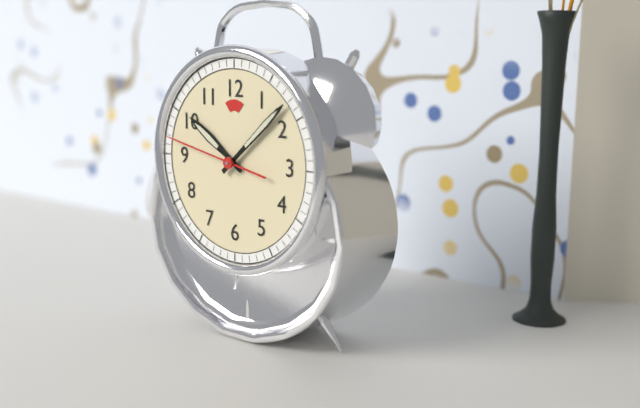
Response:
{"hour": 10, "minute": 8, "second": 47}
